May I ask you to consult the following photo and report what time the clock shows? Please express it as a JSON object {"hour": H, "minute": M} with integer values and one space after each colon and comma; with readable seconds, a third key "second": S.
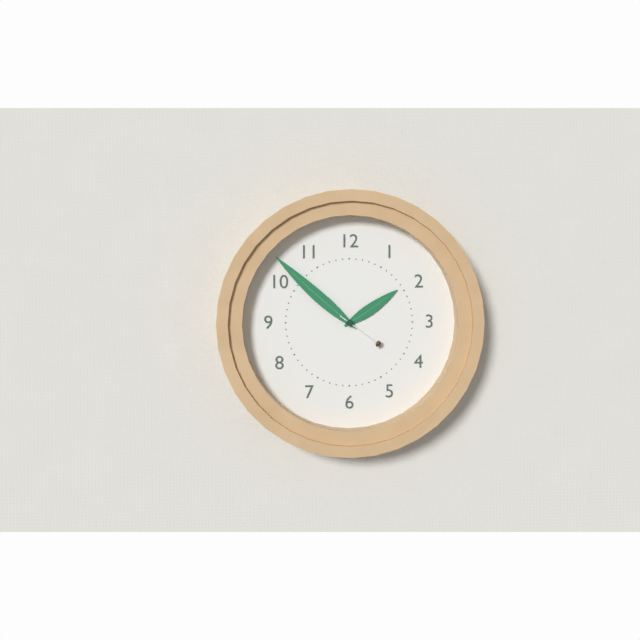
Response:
{"hour": 1, "minute": 52, "second": 21}
